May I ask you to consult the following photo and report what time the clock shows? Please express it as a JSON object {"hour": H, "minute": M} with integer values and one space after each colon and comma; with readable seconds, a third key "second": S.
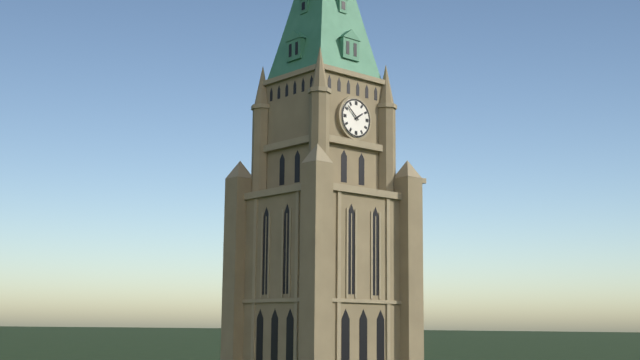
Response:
{"hour": 1, "minute": 52}
